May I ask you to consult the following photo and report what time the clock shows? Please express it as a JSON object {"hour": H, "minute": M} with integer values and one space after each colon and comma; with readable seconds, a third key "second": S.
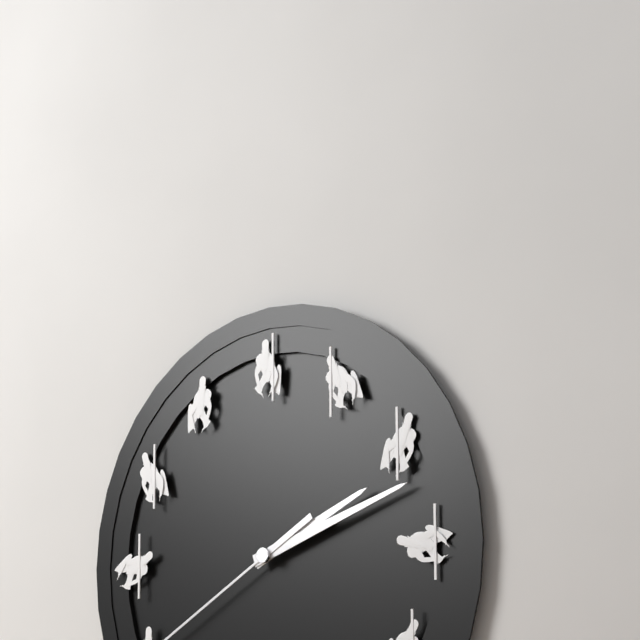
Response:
{"hour": 2, "minute": 12}
